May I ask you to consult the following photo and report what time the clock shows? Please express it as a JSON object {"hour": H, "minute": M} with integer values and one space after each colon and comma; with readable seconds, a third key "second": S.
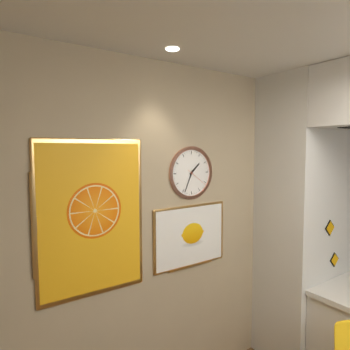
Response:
{"hour": 1, "minute": 34}
